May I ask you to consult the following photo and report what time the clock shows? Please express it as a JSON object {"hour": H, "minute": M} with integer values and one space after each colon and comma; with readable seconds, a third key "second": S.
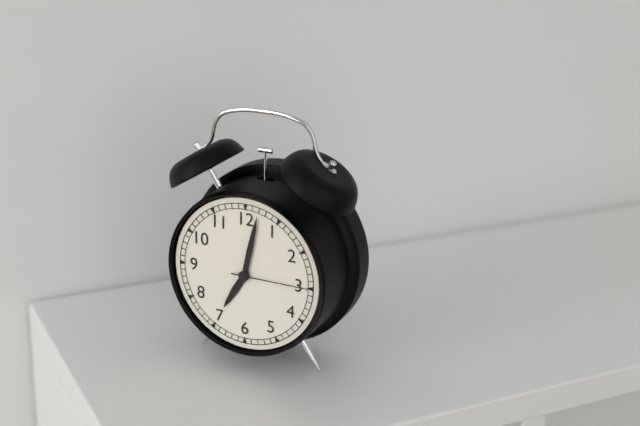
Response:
{"hour": 7, "minute": 2, "second": 15}
